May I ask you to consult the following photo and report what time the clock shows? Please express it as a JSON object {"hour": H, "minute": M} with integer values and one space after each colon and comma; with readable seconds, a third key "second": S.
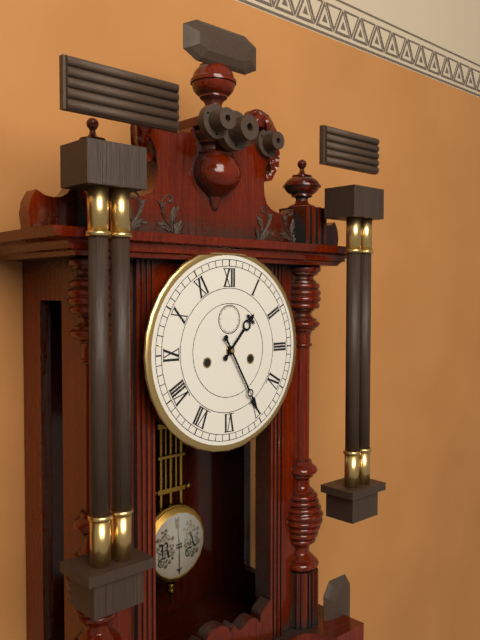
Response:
{"hour": 1, "minute": 25}
